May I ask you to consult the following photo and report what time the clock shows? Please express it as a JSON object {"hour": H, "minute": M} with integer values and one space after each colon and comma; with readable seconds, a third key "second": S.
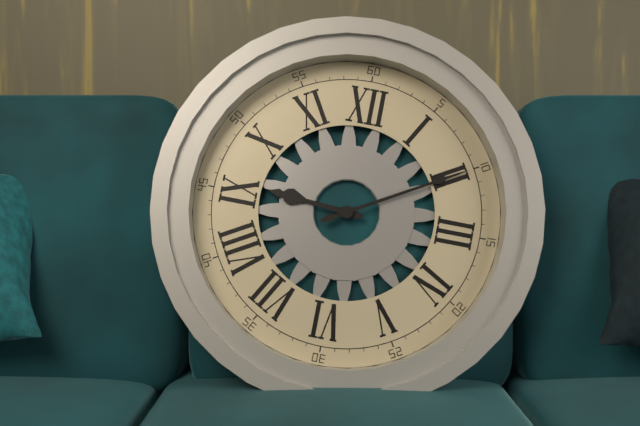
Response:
{"hour": 9, "minute": 10}
